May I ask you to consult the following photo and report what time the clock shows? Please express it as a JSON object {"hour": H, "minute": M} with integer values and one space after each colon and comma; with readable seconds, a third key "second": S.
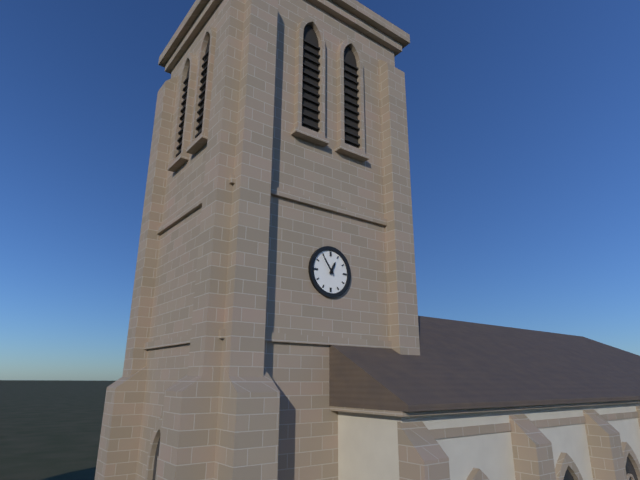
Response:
{"hour": 12, "minute": 54}
